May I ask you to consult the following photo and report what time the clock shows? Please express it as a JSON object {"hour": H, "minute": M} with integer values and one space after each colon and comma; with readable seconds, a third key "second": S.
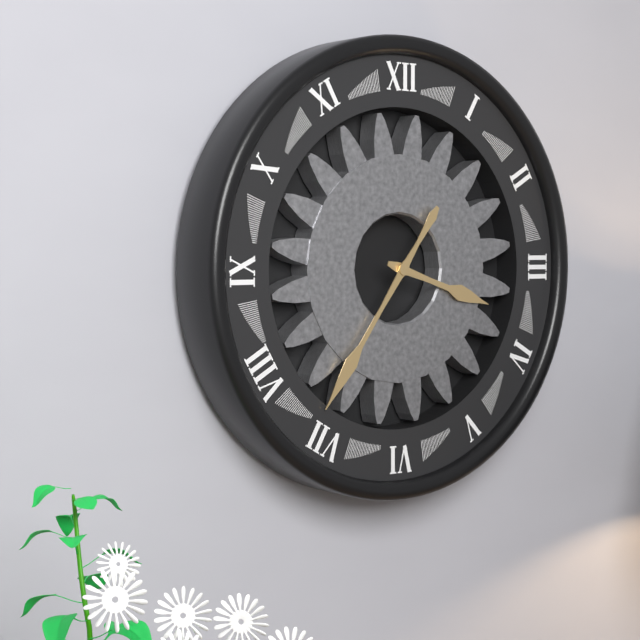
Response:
{"hour": 3, "minute": 36}
